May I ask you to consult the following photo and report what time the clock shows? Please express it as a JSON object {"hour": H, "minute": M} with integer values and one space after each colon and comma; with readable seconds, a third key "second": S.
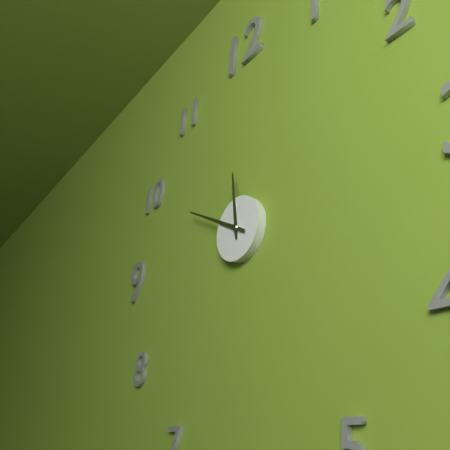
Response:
{"hour": 11, "minute": 50}
